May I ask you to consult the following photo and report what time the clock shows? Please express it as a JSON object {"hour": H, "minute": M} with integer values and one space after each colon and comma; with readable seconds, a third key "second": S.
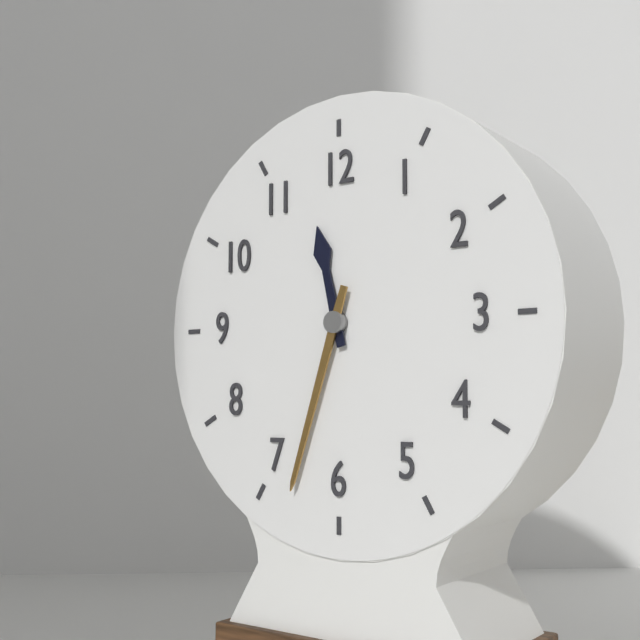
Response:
{"hour": 11, "minute": 33}
